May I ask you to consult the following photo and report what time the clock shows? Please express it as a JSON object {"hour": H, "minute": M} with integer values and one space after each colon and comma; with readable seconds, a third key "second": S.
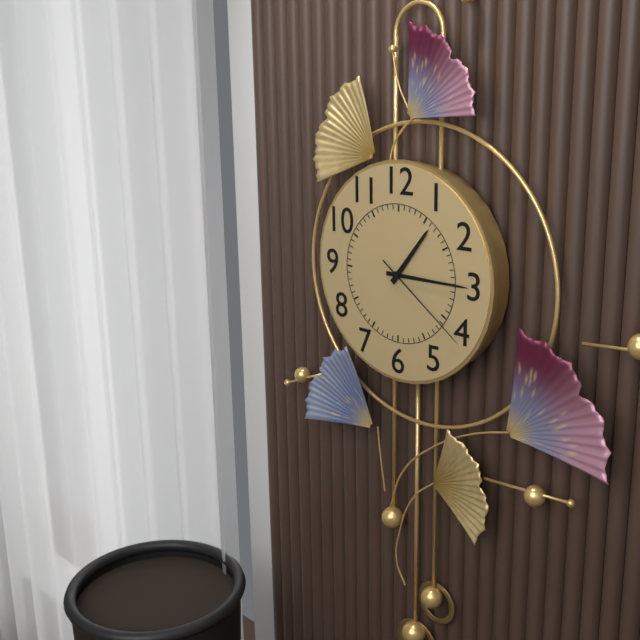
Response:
{"hour": 1, "minute": 15, "second": 21}
